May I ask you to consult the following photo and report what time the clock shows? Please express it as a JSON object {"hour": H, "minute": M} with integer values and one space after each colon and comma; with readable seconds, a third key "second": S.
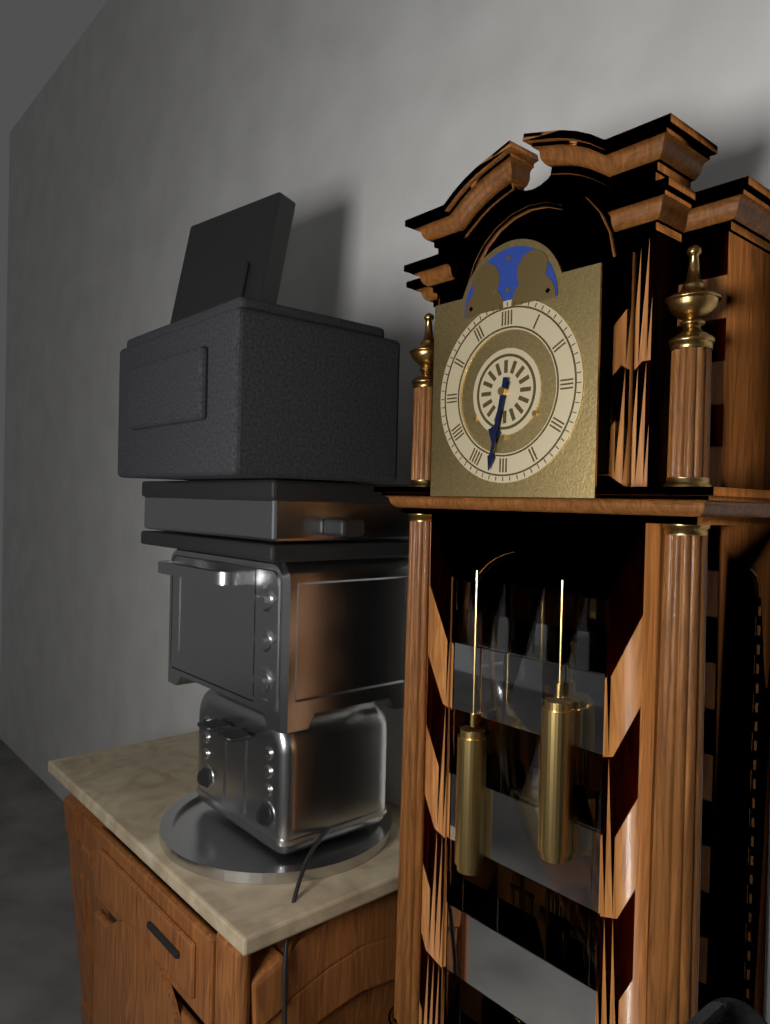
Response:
{"hour": 6, "minute": 32}
